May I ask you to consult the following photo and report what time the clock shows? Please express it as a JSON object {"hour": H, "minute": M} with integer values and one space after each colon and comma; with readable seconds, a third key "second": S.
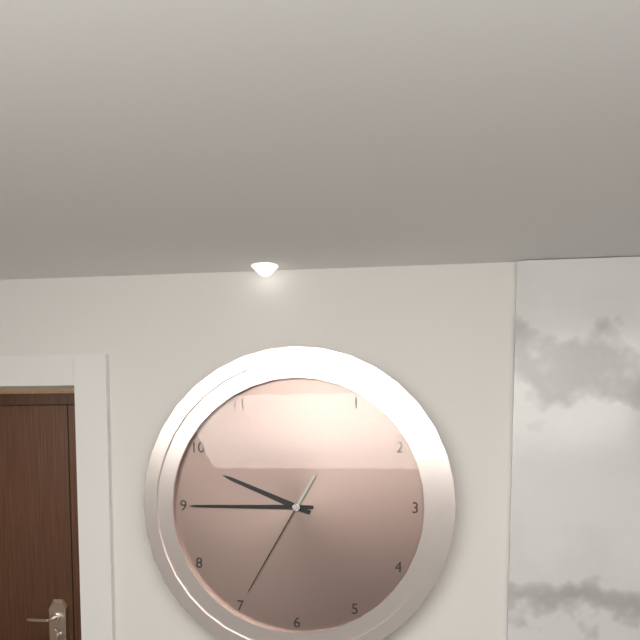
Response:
{"hour": 9, "minute": 45, "second": 35}
